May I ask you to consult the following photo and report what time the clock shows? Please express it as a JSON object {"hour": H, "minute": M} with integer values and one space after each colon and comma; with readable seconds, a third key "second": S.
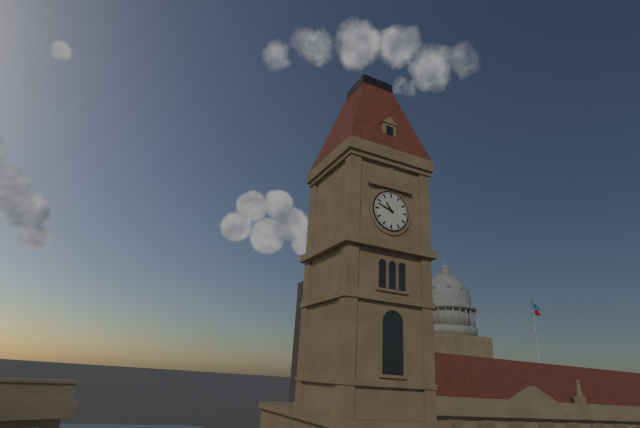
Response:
{"hour": 10, "minute": 48}
